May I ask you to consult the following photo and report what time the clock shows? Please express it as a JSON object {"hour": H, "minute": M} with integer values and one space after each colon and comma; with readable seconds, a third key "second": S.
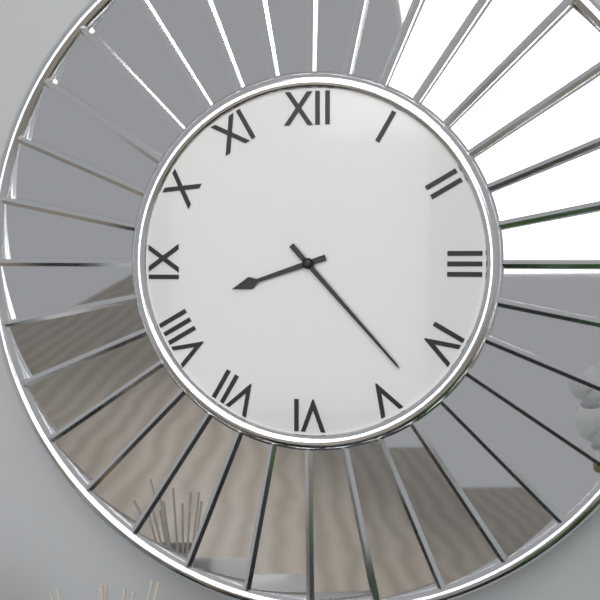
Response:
{"hour": 8, "minute": 23}
